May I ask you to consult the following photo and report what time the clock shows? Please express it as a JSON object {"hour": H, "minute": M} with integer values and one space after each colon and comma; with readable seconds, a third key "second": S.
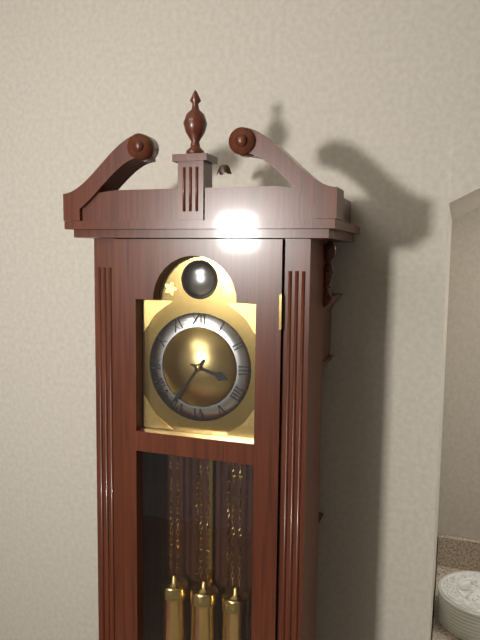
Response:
{"hour": 3, "minute": 36}
